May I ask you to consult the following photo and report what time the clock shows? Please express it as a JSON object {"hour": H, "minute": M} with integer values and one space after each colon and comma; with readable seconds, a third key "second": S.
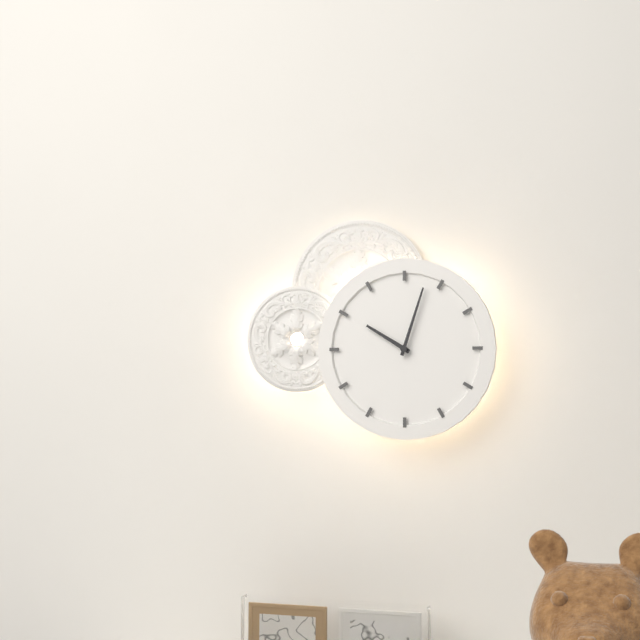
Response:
{"hour": 10, "minute": 3}
